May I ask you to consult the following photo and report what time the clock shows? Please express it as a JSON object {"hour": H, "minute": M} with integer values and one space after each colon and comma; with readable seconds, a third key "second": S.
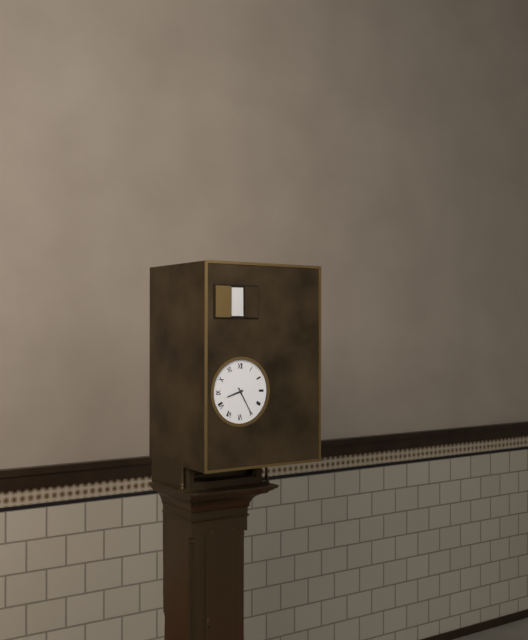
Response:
{"hour": 8, "minute": 25}
